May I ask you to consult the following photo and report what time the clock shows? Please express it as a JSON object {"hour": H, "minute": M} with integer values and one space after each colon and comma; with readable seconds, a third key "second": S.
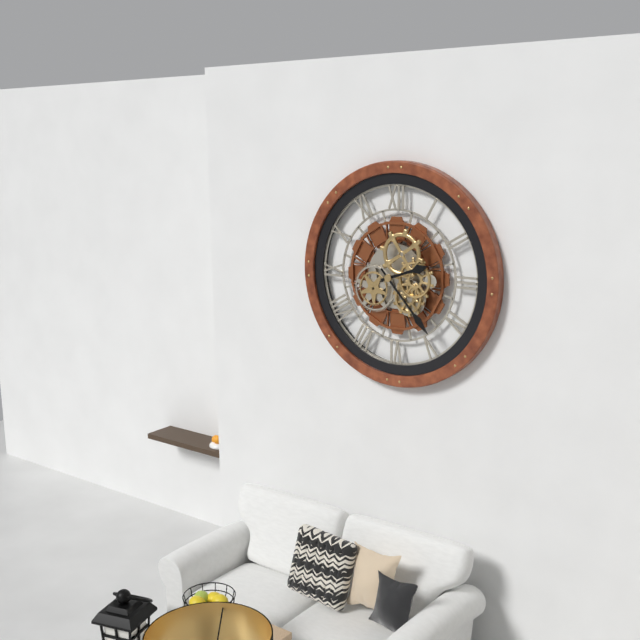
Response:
{"hour": 2, "minute": 23}
